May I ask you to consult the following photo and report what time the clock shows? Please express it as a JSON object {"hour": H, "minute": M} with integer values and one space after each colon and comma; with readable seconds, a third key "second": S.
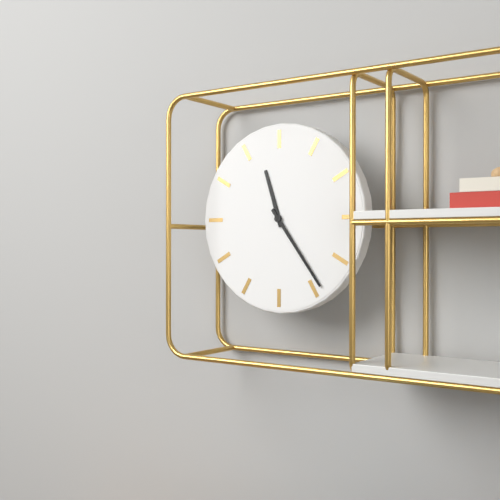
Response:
{"hour": 11, "minute": 24}
